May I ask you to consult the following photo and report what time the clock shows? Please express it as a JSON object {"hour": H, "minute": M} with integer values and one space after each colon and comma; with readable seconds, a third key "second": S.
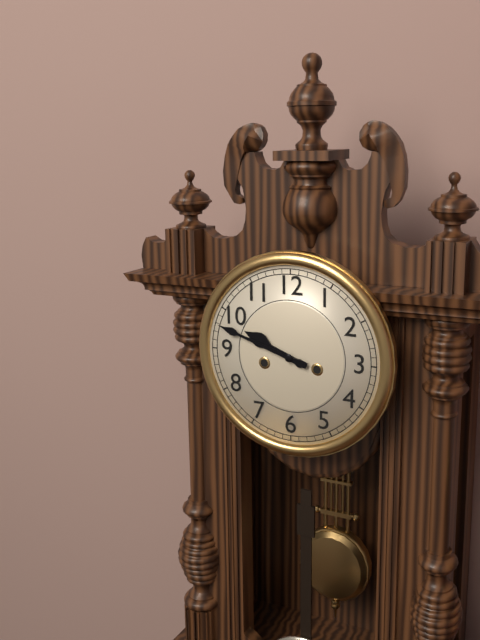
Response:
{"hour": 9, "minute": 48}
